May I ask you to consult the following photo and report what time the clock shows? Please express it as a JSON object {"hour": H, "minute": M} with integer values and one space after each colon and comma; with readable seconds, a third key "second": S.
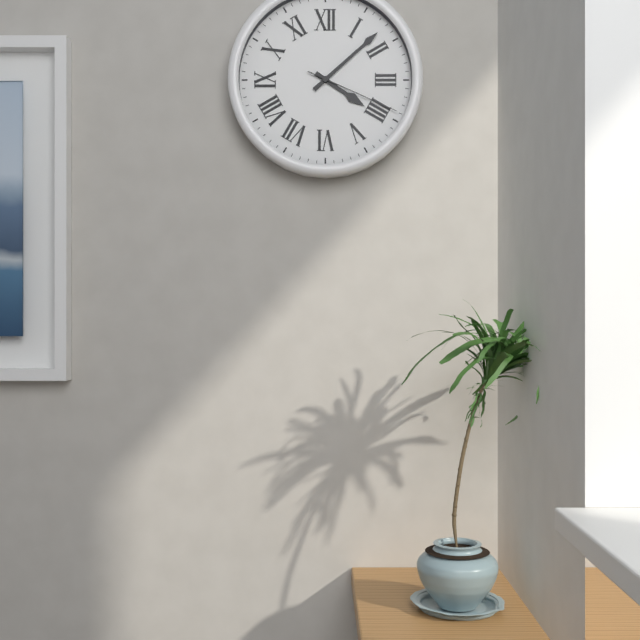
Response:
{"hour": 4, "minute": 8, "second": 19}
